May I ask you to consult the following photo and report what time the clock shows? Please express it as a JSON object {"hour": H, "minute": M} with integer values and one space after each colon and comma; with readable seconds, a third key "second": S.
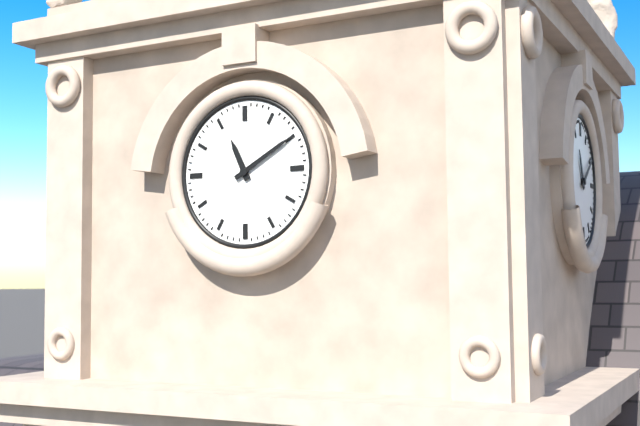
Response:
{"hour": 11, "minute": 10}
